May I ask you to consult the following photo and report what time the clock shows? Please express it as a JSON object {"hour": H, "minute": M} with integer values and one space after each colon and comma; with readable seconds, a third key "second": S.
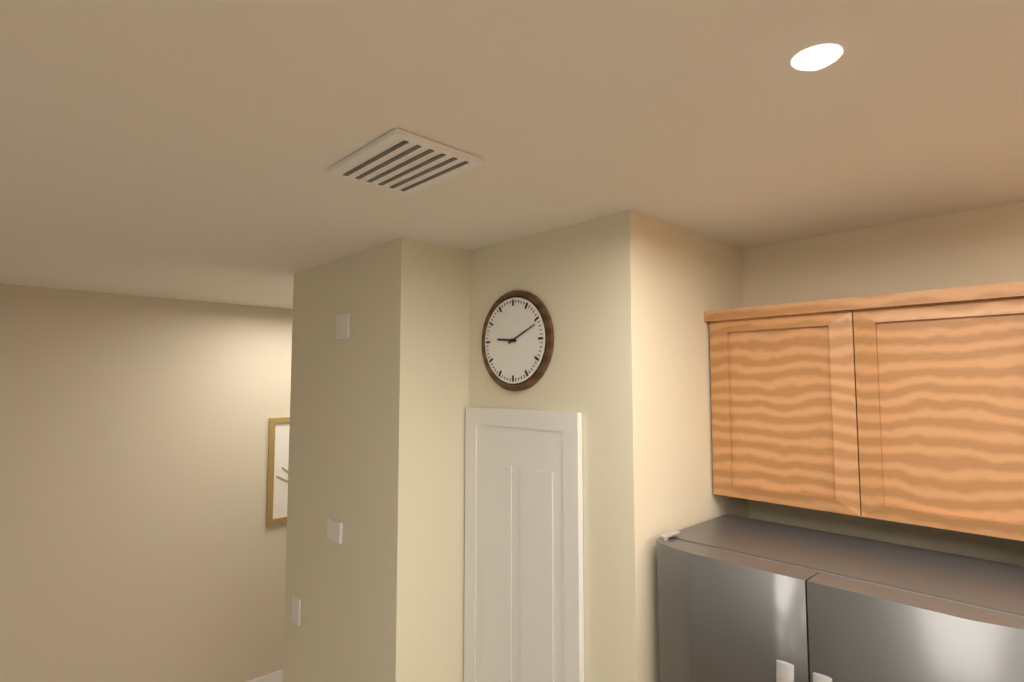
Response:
{"hour": 9, "minute": 11}
